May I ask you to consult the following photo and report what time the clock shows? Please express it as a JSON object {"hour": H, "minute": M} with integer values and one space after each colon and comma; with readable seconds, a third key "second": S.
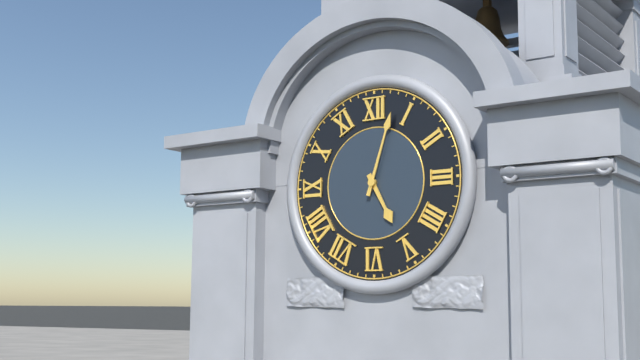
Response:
{"hour": 5, "minute": 3}
